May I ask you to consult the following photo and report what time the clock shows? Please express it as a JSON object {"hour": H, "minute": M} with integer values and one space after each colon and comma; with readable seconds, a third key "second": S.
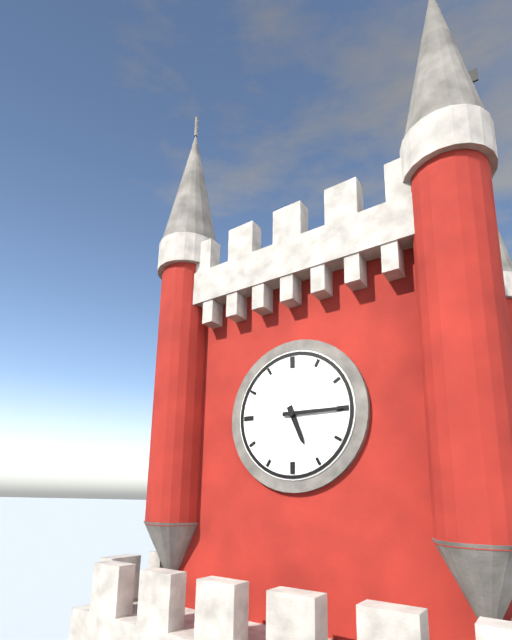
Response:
{"hour": 5, "minute": 15}
